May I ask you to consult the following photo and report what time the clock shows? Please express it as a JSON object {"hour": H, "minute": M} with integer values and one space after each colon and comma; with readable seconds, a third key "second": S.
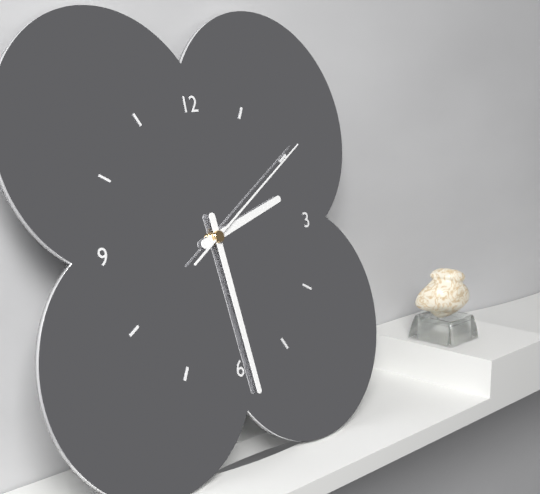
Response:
{"hour": 2, "minute": 29, "second": 10}
